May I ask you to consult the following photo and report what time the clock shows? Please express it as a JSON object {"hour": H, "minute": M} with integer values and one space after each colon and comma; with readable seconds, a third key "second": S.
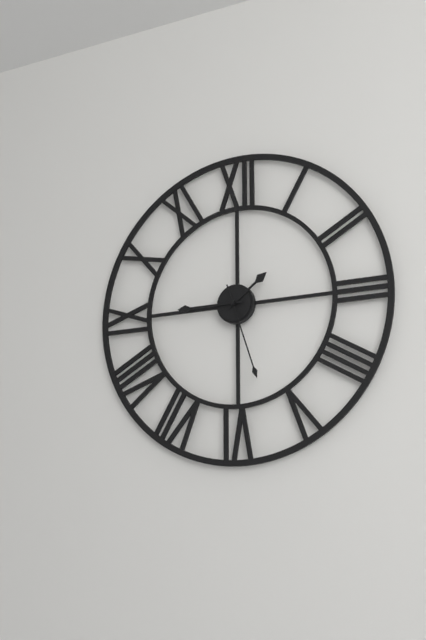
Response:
{"hour": 1, "minute": 45, "second": 27}
